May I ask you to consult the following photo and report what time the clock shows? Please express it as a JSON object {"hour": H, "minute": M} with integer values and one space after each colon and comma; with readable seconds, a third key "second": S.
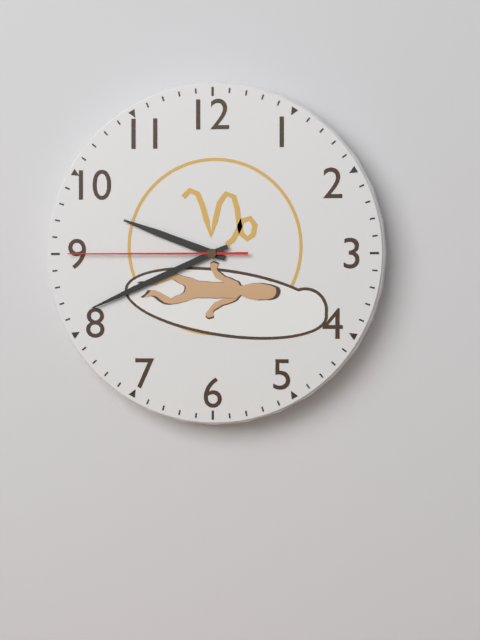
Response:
{"hour": 9, "minute": 41, "second": 45}
